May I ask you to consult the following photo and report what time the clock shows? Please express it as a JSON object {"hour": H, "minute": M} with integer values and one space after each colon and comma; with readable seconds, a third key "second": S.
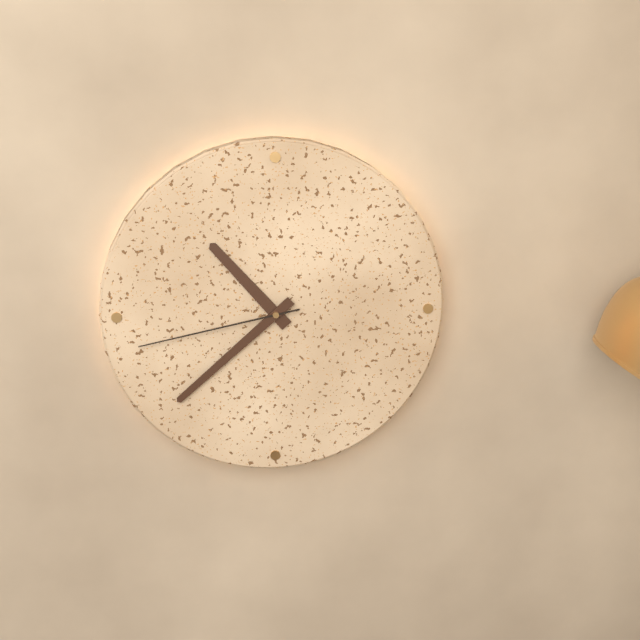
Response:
{"hour": 10, "minute": 38, "second": 43}
